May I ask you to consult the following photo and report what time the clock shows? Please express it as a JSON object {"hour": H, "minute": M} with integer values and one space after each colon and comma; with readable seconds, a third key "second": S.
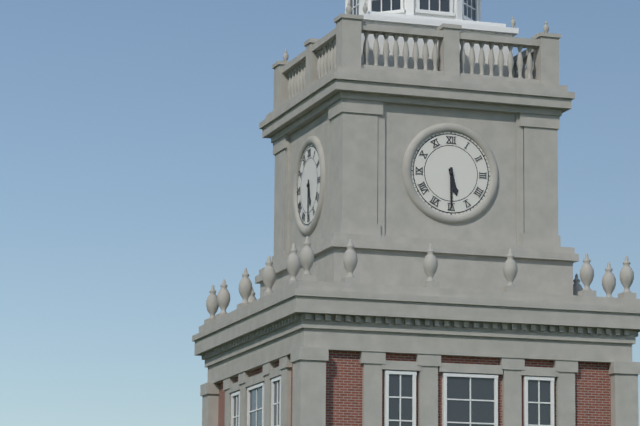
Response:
{"hour": 5, "minute": 30}
